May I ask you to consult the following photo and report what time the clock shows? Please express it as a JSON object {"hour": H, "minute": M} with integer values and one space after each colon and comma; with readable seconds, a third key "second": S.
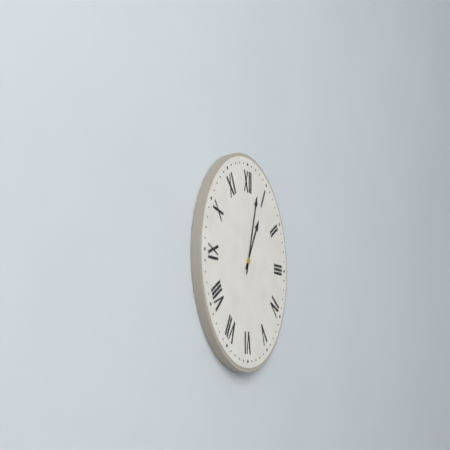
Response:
{"hour": 1, "minute": 3}
